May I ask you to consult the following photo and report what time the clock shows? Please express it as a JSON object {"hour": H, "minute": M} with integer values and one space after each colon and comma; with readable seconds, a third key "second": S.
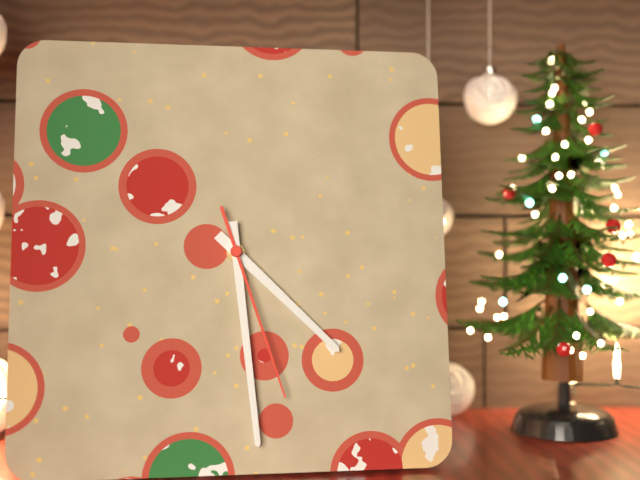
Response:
{"hour": 4, "minute": 29, "second": 27}
